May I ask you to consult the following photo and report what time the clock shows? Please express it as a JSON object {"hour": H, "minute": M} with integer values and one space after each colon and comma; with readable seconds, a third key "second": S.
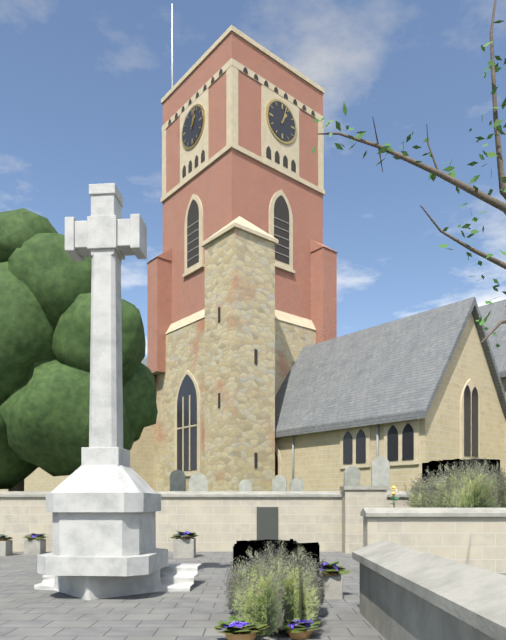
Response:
{"hour": 1, "minute": 3}
